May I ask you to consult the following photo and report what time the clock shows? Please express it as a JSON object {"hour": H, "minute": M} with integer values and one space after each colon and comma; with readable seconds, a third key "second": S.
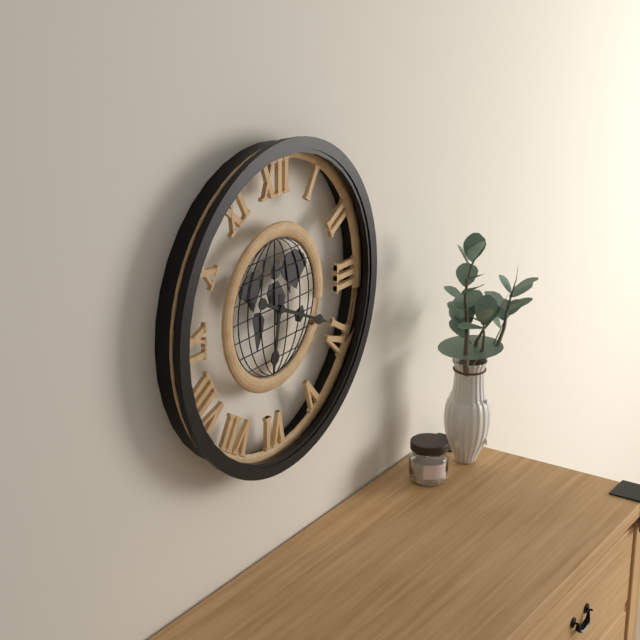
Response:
{"hour": 6, "minute": 19}
